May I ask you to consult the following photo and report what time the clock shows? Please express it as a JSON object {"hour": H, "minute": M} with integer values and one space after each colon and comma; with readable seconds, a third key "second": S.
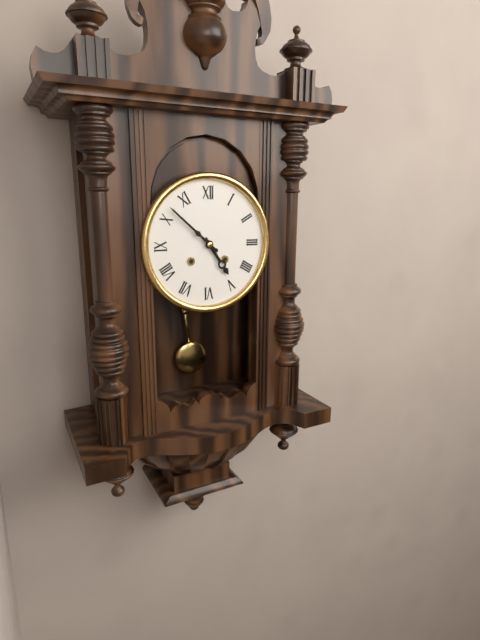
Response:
{"hour": 4, "minute": 52}
